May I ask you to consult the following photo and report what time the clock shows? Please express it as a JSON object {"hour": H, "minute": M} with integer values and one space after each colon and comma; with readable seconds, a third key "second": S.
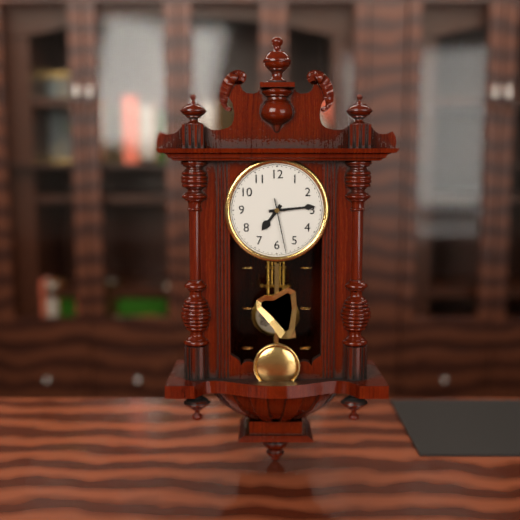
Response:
{"hour": 7, "minute": 14, "second": 28}
